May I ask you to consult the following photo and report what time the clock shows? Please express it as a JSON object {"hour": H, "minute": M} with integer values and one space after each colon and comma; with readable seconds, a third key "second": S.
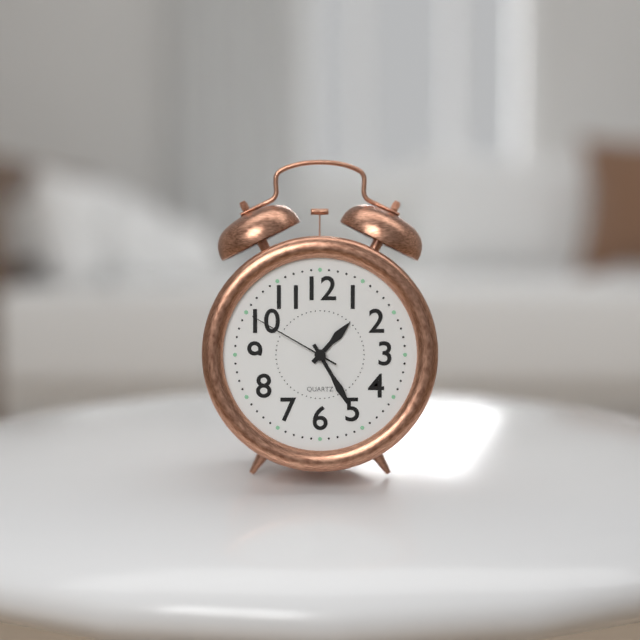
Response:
{"hour": 1, "minute": 25, "second": 50}
